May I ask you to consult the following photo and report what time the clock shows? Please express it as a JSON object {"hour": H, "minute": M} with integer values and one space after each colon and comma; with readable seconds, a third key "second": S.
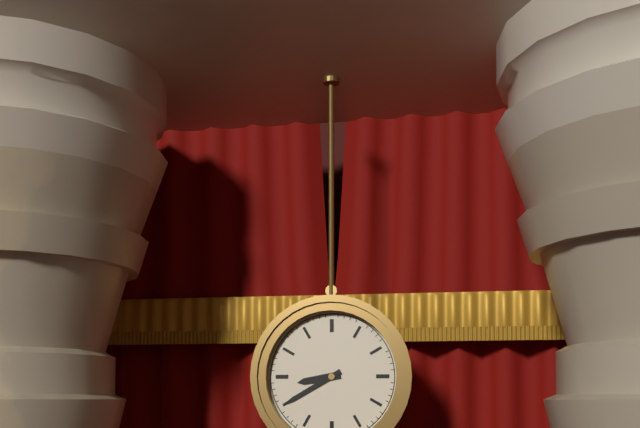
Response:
{"hour": 8, "minute": 40}
